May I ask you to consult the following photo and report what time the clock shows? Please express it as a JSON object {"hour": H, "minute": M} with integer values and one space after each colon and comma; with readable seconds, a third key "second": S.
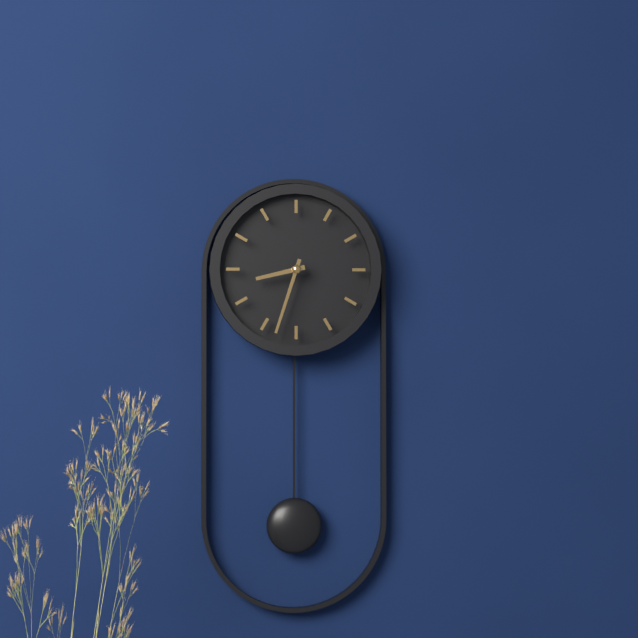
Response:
{"hour": 8, "minute": 33}
